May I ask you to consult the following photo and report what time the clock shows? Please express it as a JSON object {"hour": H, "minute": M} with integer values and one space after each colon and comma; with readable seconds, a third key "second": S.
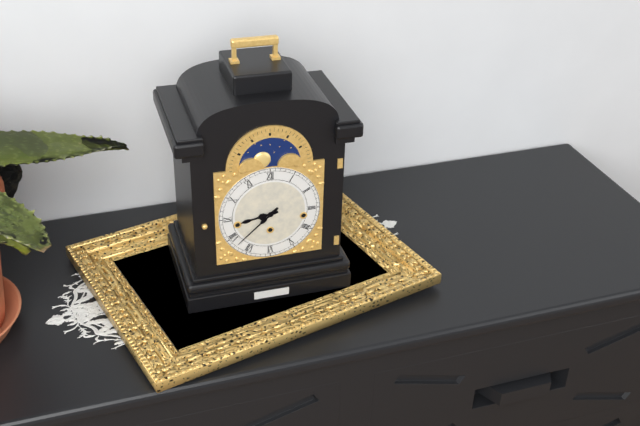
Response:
{"hour": 8, "minute": 38}
